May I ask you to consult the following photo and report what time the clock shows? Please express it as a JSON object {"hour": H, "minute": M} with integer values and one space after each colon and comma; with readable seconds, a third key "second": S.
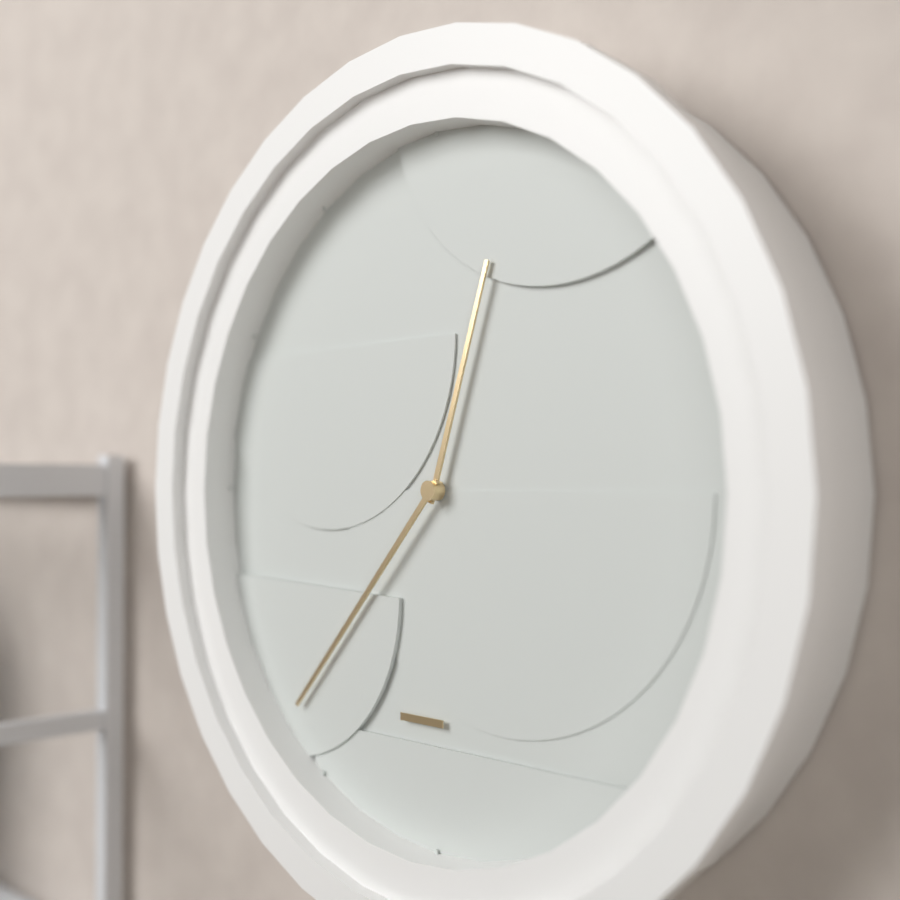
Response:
{"hour": 12, "minute": 37}
